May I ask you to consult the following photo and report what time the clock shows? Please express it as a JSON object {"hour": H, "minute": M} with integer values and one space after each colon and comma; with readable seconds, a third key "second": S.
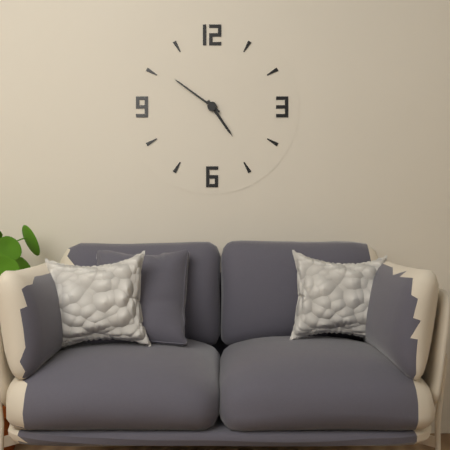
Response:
{"hour": 4, "minute": 51}
